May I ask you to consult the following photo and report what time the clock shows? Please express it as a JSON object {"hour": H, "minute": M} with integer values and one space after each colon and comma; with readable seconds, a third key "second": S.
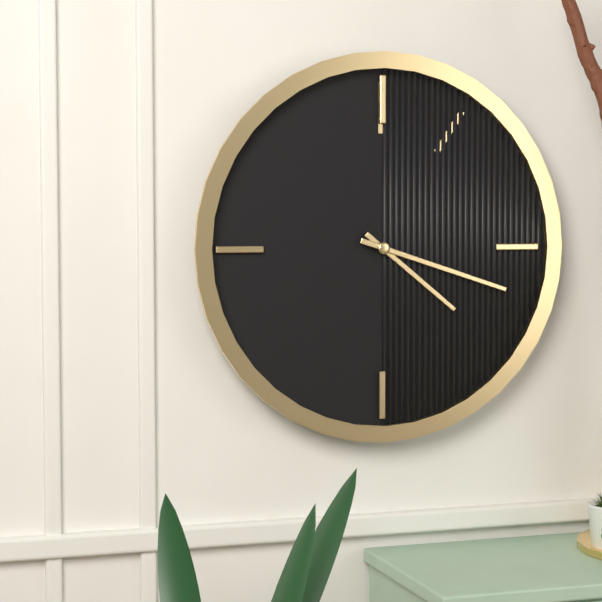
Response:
{"hour": 4, "minute": 18}
